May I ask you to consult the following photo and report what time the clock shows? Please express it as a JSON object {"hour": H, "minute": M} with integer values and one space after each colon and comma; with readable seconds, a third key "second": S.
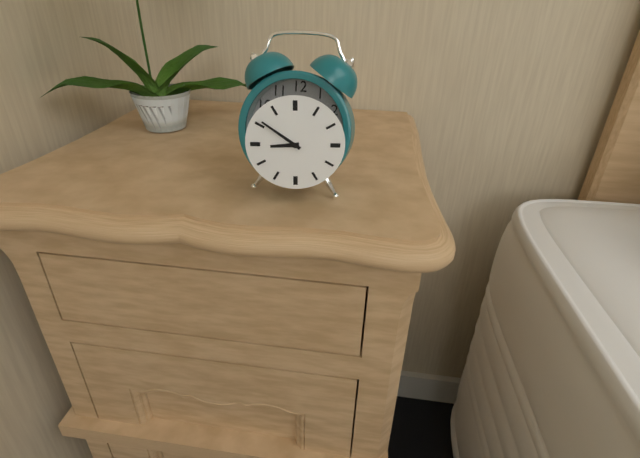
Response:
{"hour": 8, "minute": 51}
